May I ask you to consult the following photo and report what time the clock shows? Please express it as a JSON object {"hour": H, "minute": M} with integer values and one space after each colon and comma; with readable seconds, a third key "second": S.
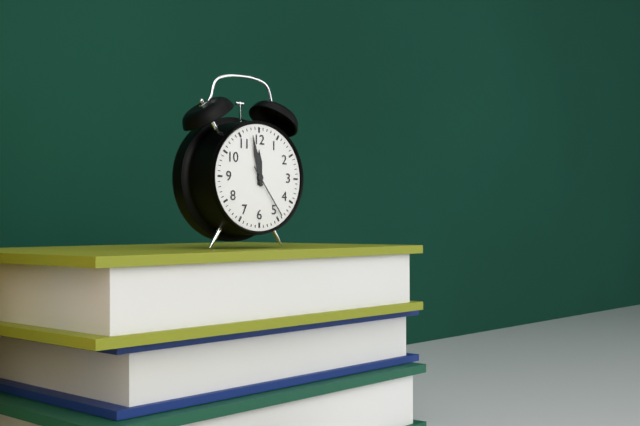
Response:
{"hour": 11, "minute": 58, "second": 24}
